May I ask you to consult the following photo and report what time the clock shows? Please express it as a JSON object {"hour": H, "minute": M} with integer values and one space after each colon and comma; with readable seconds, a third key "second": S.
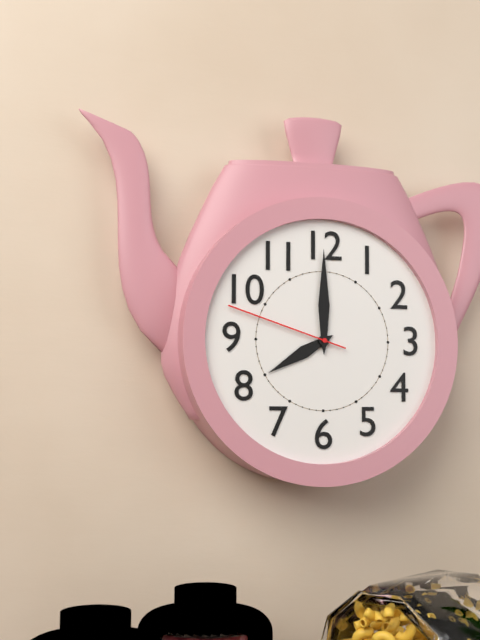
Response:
{"hour": 8, "minute": 0, "second": 48}
